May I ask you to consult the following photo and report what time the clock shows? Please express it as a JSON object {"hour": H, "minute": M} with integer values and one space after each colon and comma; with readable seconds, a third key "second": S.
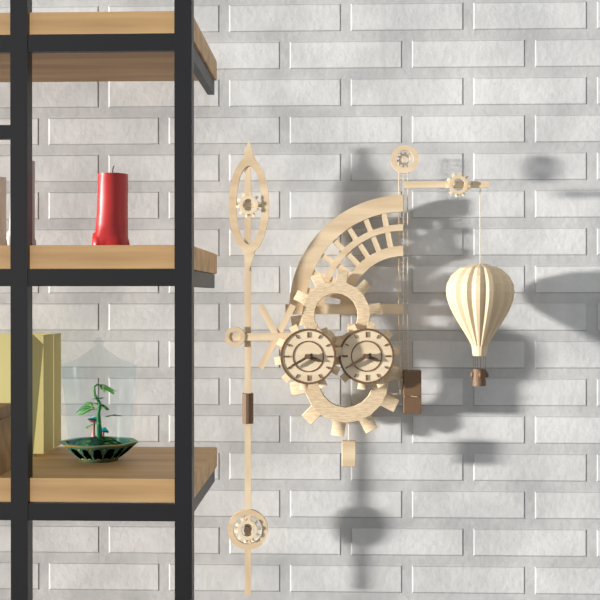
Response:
{"hour": 3, "minute": 40}
